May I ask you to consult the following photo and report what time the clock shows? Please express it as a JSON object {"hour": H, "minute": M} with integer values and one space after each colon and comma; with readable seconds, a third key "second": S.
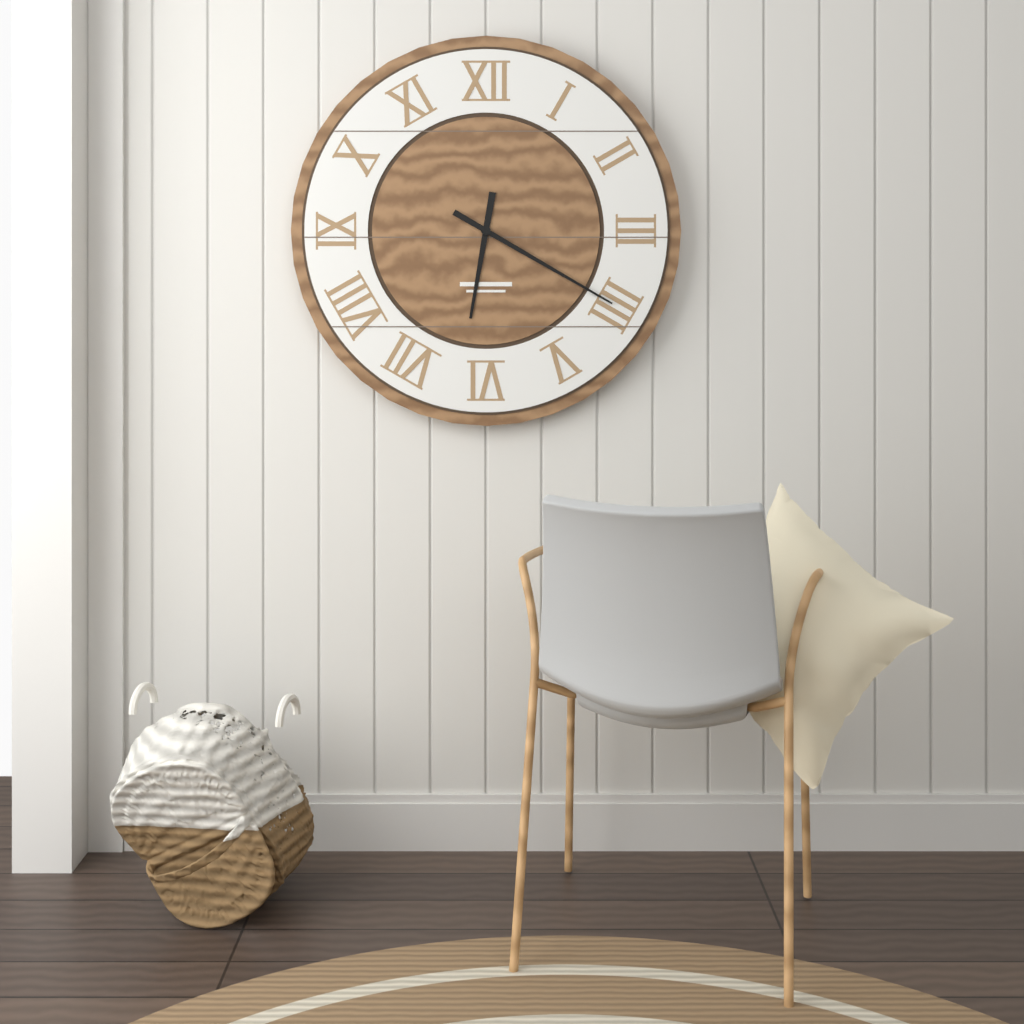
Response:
{"hour": 6, "minute": 20}
